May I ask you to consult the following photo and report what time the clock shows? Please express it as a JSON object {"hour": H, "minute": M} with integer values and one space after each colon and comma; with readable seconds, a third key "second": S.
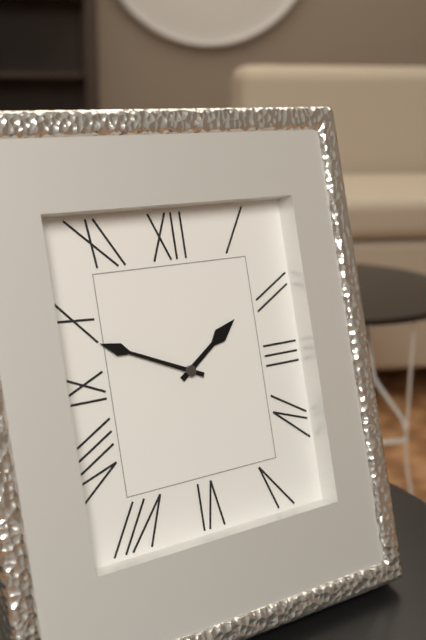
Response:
{"hour": 1, "minute": 49}
